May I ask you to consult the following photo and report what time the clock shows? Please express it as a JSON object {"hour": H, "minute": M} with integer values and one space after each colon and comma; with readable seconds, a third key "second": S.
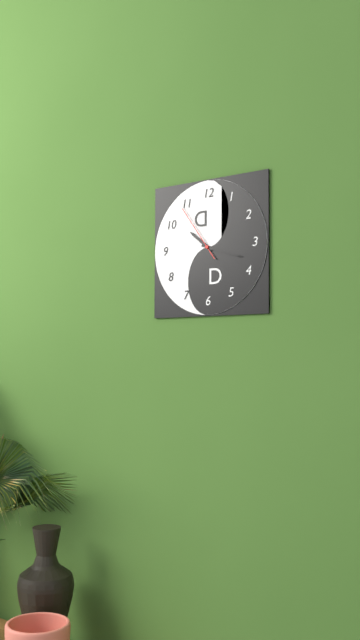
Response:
{"hour": 10, "minute": 18, "second": 54}
